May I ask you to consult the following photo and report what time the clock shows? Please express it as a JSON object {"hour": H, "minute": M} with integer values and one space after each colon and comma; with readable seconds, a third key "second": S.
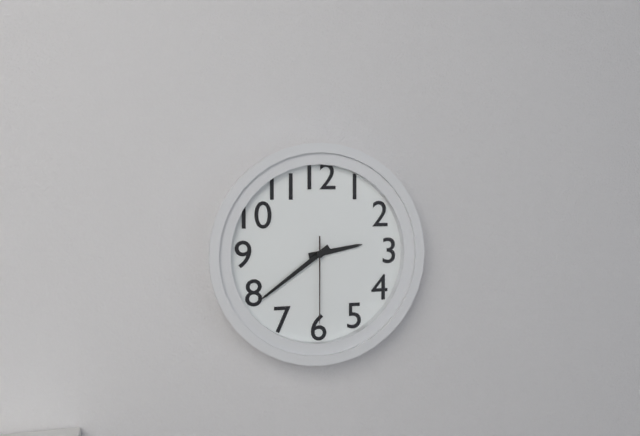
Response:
{"hour": 2, "minute": 39, "second": 30}
